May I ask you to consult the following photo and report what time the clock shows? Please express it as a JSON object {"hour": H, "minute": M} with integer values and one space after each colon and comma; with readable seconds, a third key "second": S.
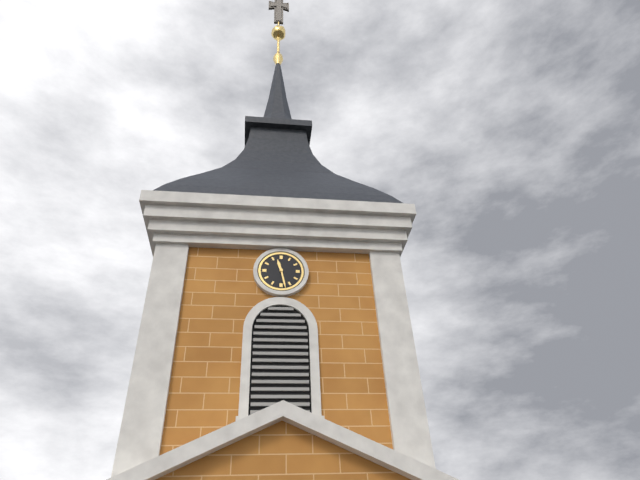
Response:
{"hour": 11, "minute": 28}
